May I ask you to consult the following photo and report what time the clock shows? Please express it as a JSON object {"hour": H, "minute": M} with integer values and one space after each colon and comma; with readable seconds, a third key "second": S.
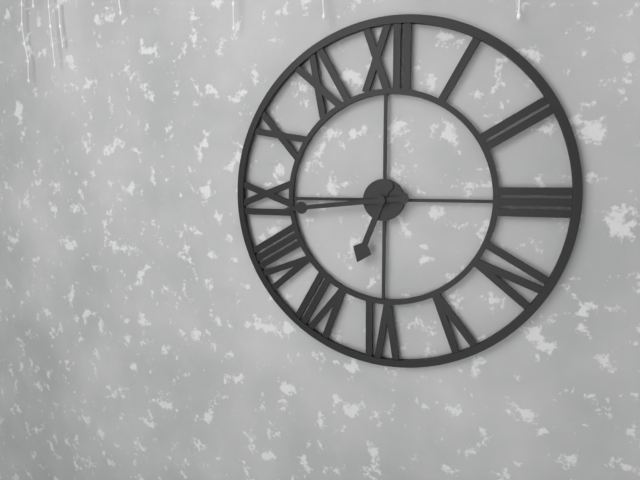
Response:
{"hour": 6, "minute": 44}
